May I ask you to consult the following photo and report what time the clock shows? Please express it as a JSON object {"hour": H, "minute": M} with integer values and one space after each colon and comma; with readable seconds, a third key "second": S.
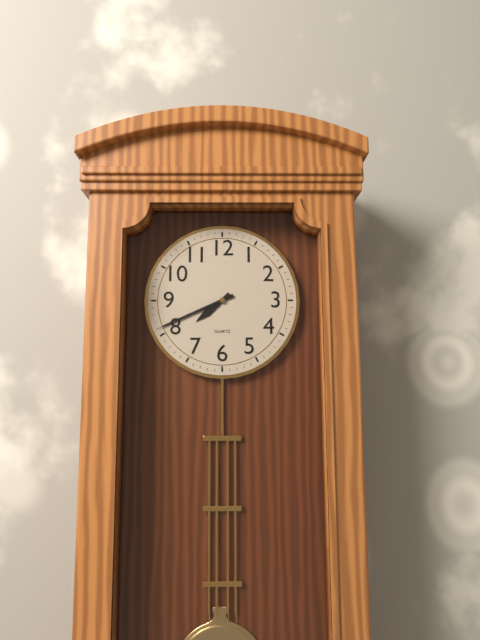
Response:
{"hour": 7, "minute": 41}
